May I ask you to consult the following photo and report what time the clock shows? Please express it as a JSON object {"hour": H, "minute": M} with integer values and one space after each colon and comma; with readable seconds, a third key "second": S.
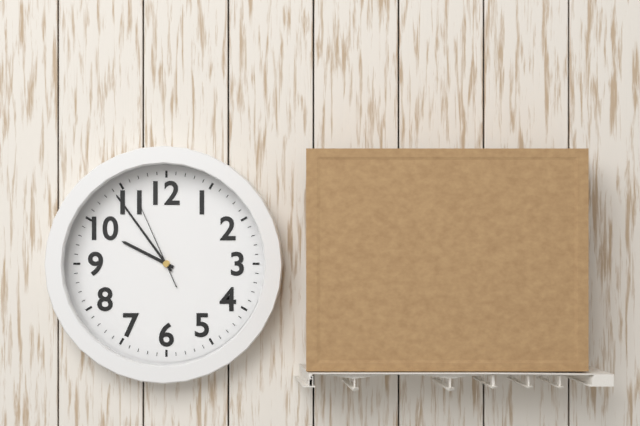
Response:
{"hour": 9, "minute": 54, "second": 56}
